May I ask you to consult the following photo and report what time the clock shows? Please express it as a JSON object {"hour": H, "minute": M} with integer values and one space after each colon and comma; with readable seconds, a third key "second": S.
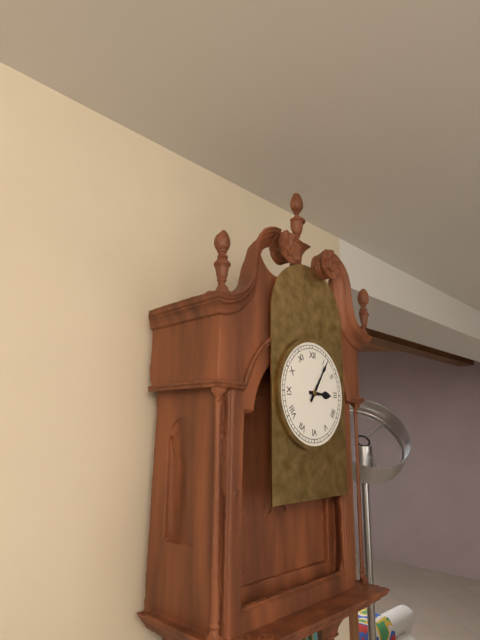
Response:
{"hour": 3, "minute": 6}
